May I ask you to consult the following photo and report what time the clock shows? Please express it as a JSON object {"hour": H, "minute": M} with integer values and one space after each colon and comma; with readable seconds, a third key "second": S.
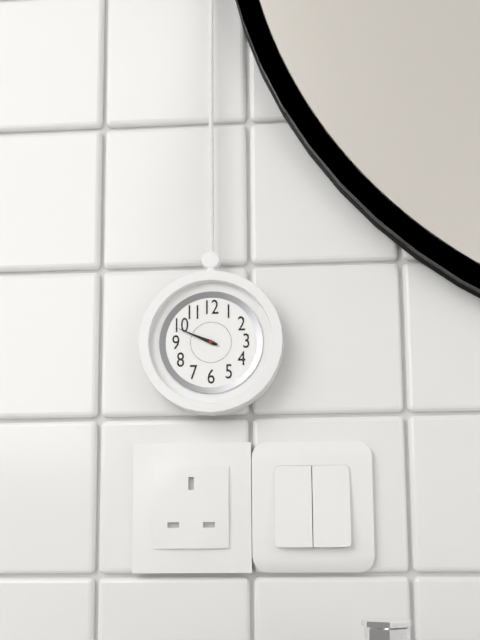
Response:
{"hour": 9, "minute": 49}
